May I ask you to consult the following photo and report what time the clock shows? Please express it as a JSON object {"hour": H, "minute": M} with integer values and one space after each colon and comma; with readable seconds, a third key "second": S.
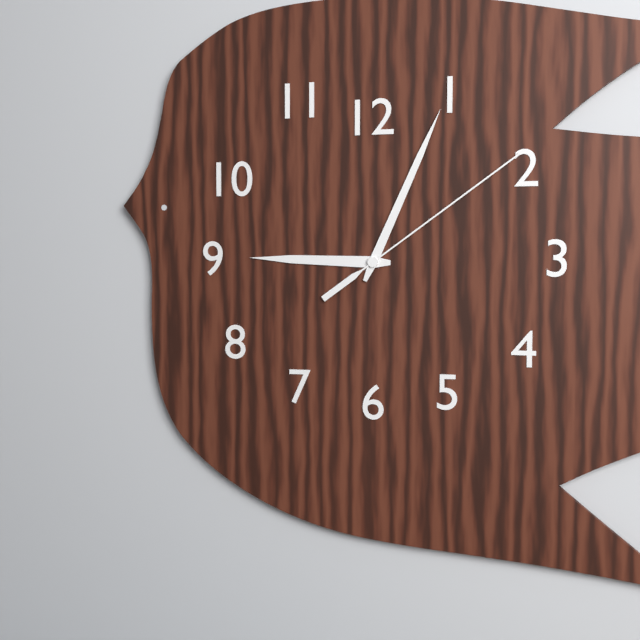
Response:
{"hour": 9, "minute": 4, "second": 9}
